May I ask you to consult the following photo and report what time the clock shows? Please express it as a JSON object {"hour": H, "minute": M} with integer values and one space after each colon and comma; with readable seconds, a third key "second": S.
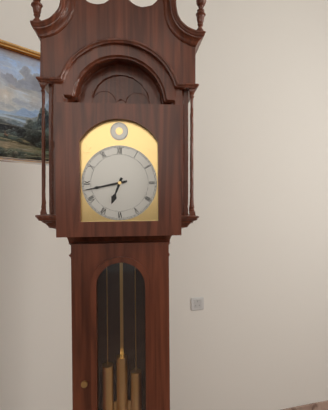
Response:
{"hour": 6, "minute": 43}
